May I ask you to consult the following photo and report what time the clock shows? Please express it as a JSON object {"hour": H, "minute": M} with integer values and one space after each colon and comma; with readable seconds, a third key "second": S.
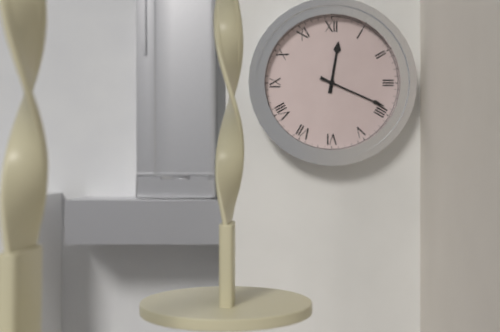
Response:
{"hour": 12, "minute": 19}
